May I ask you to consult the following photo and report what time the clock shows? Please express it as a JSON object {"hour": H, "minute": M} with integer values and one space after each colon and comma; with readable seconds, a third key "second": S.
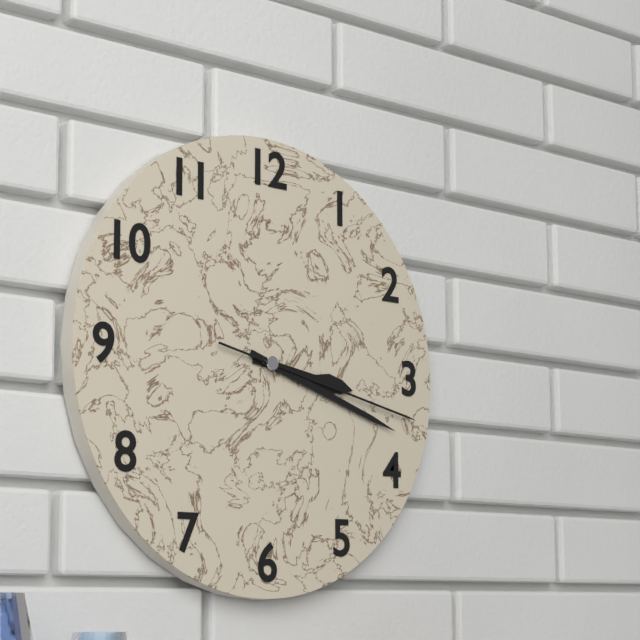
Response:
{"hour": 3, "minute": 18, "second": 17}
